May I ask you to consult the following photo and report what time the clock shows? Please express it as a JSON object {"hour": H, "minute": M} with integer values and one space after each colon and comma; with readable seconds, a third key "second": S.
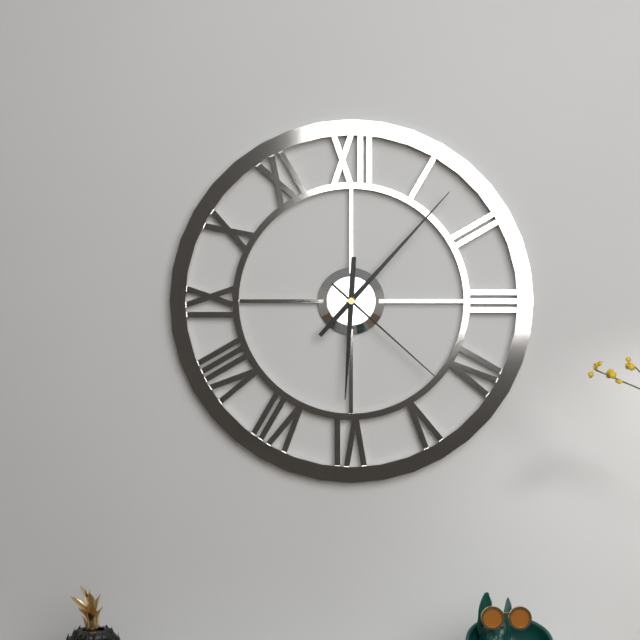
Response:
{"hour": 6, "minute": 7, "second": 22}
